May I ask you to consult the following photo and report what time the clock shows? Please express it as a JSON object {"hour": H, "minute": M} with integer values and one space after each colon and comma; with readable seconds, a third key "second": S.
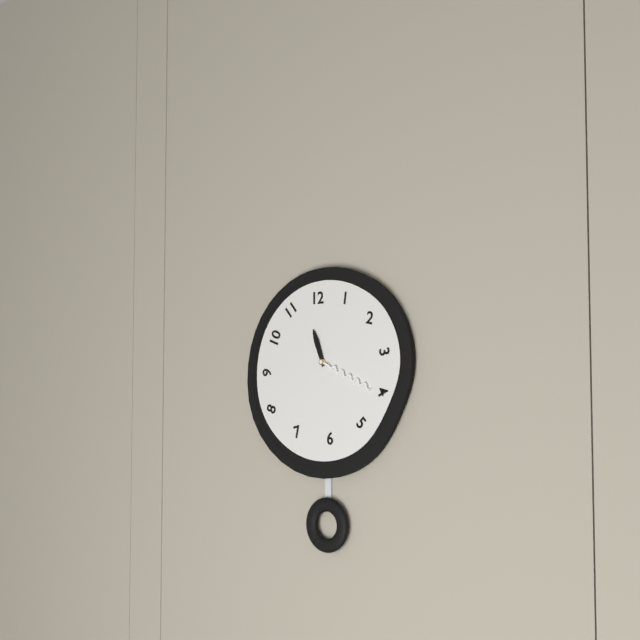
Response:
{"hour": 11, "minute": 19}
